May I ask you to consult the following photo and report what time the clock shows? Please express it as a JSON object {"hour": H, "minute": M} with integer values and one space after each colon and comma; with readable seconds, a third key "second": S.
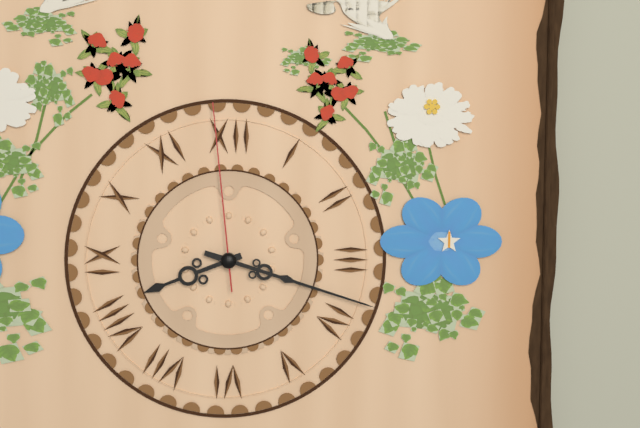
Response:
{"hour": 8, "minute": 18, "second": 59}
